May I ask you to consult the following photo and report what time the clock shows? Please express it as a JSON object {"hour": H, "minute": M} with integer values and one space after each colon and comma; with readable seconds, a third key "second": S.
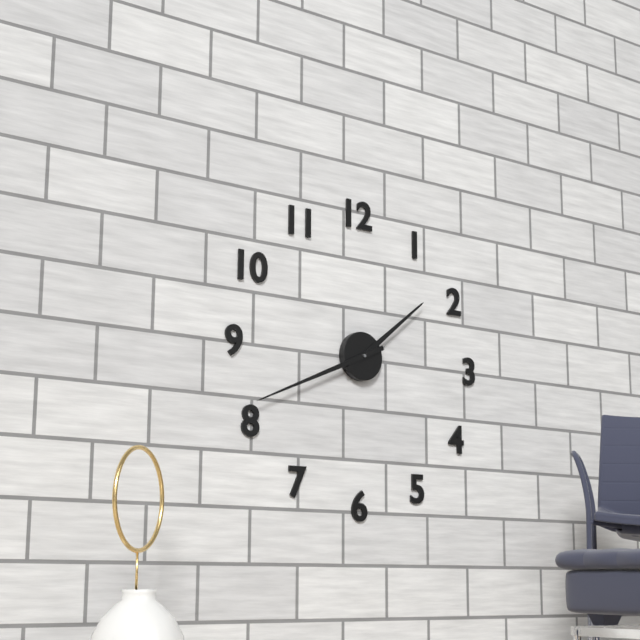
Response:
{"hour": 1, "minute": 41}
